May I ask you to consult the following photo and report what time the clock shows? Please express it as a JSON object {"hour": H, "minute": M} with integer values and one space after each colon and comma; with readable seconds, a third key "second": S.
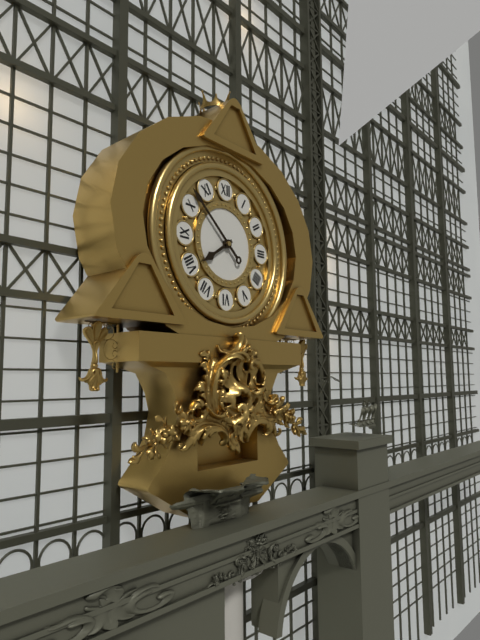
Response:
{"hour": 7, "minute": 52}
